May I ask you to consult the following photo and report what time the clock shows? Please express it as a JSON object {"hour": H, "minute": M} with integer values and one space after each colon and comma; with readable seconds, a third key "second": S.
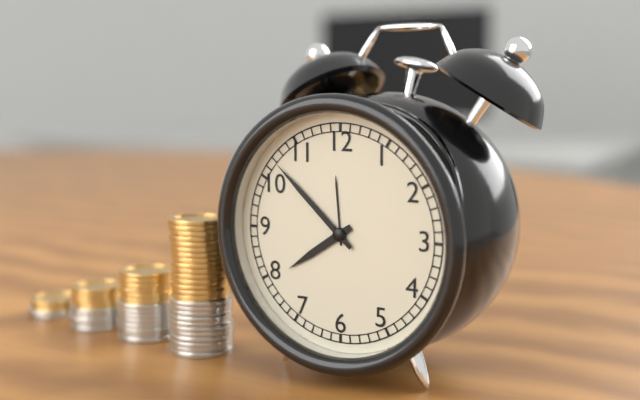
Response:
{"hour": 7, "minute": 52}
